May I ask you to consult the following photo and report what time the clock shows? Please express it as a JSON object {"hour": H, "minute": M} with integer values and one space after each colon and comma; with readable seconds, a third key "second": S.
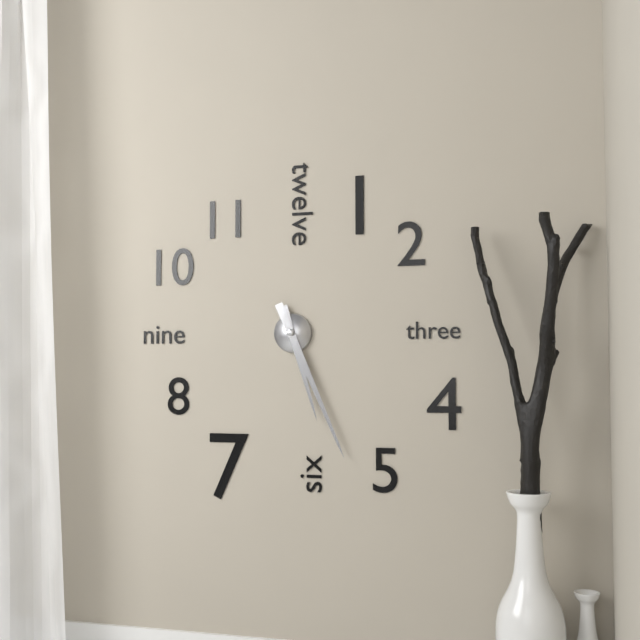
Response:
{"hour": 5, "minute": 26}
